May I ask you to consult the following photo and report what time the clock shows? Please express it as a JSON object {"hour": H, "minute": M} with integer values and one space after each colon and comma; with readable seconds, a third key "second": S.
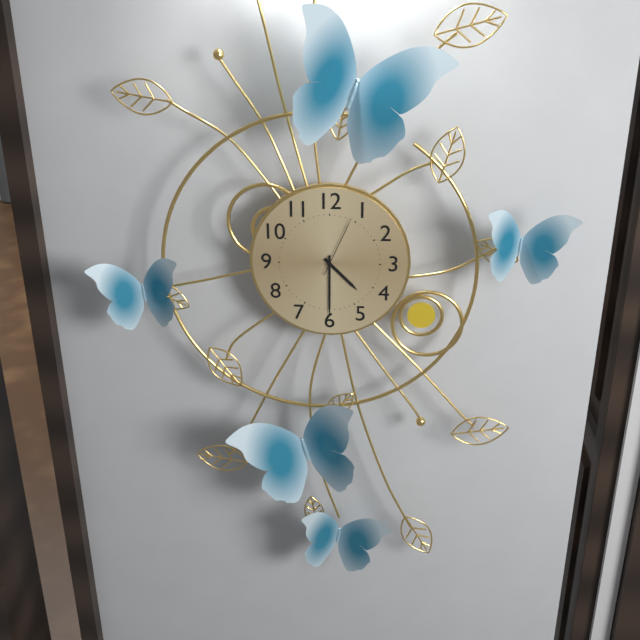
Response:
{"hour": 4, "minute": 30, "second": 4}
